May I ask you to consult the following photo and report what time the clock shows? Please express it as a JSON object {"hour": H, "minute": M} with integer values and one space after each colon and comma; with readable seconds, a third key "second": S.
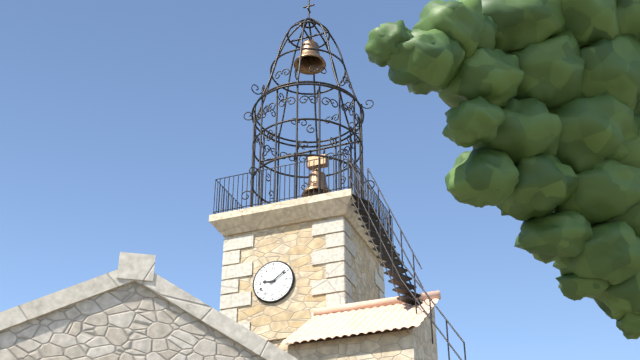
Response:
{"hour": 9, "minute": 9}
